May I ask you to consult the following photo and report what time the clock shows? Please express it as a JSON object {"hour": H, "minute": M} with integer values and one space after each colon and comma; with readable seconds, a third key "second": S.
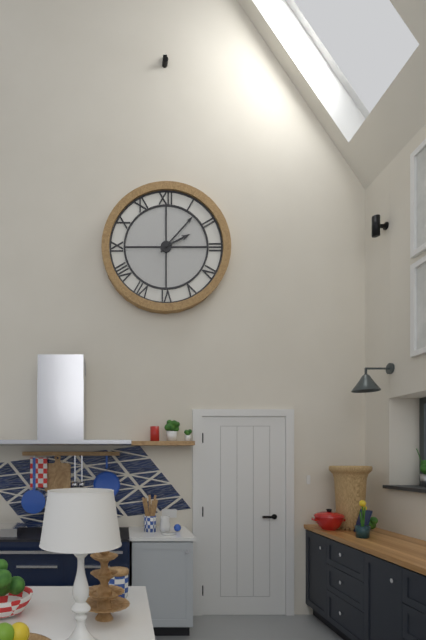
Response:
{"hour": 2, "minute": 7}
